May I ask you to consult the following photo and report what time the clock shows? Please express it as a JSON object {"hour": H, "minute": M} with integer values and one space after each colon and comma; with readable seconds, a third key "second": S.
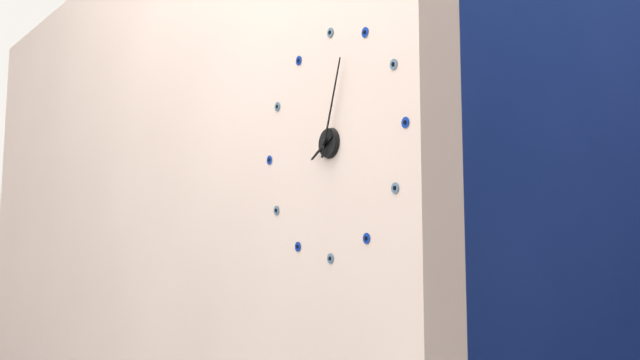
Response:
{"hour": 8, "minute": 3}
